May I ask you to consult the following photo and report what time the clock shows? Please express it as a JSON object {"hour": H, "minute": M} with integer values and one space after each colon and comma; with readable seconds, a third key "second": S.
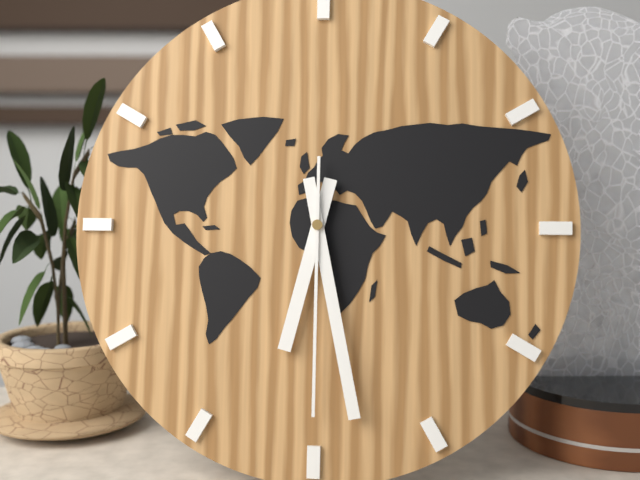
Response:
{"hour": 6, "minute": 28, "second": 30}
